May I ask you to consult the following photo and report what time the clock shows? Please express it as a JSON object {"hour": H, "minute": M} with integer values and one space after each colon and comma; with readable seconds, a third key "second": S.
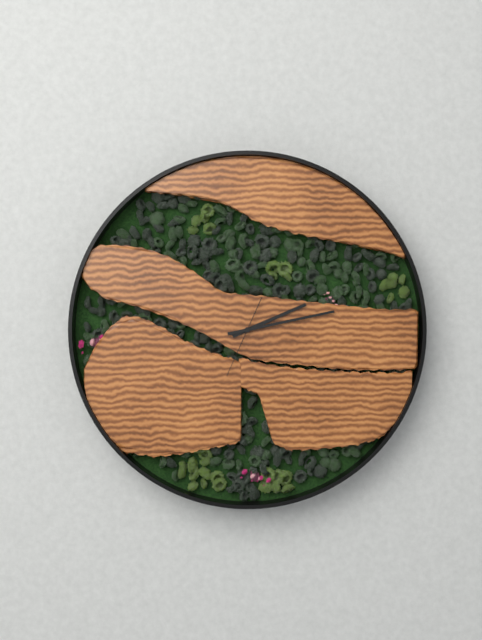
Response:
{"hour": 2, "minute": 13, "second": 34}
